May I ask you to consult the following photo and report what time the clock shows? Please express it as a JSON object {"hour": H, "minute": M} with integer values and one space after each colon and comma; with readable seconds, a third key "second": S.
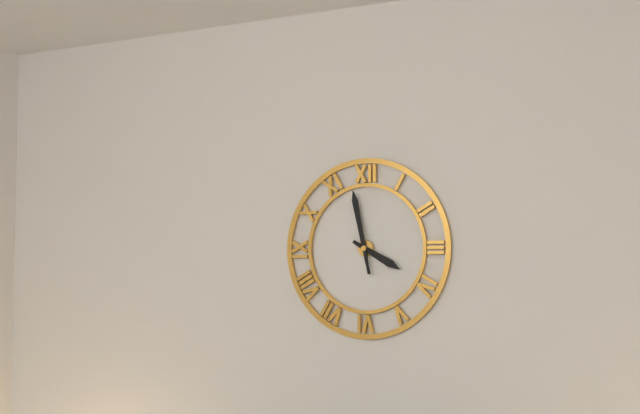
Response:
{"hour": 3, "minute": 58}
